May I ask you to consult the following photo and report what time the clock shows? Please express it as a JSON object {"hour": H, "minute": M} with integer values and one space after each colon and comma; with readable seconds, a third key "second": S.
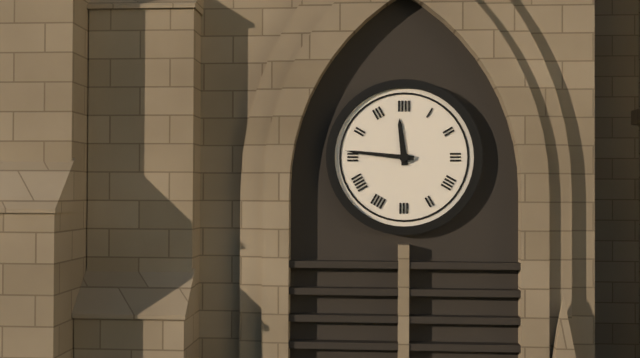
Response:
{"hour": 11, "minute": 46}
